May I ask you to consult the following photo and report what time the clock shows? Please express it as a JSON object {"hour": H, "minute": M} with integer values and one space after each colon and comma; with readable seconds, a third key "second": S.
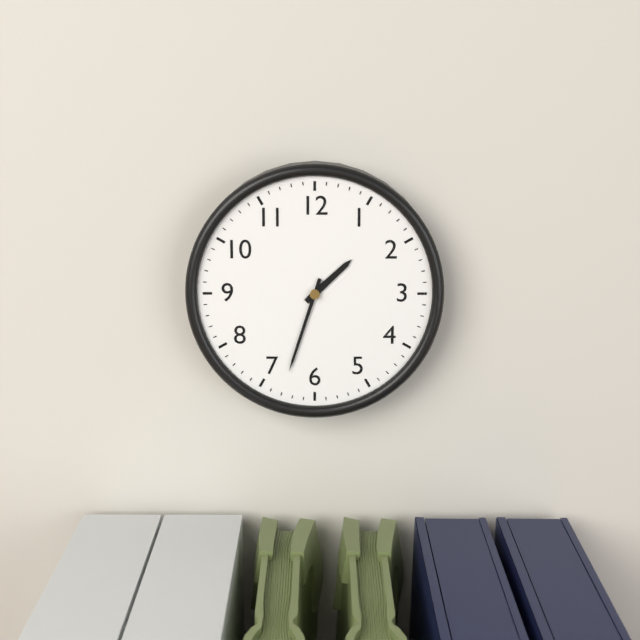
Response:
{"hour": 1, "minute": 33}
